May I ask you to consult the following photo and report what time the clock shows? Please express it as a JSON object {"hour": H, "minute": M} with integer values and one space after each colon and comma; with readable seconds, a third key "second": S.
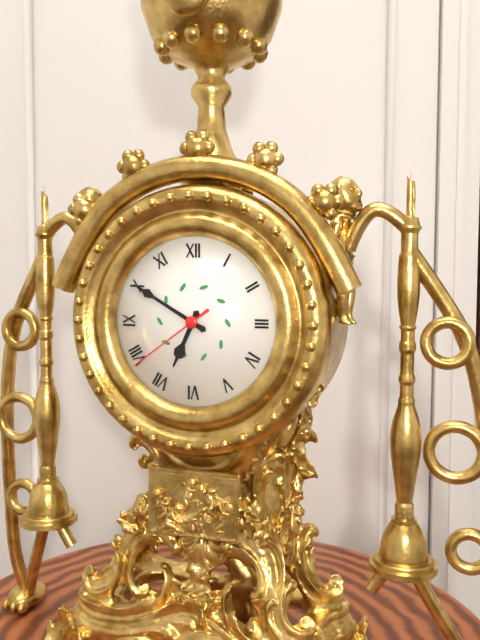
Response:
{"hour": 6, "minute": 50, "second": 39}
